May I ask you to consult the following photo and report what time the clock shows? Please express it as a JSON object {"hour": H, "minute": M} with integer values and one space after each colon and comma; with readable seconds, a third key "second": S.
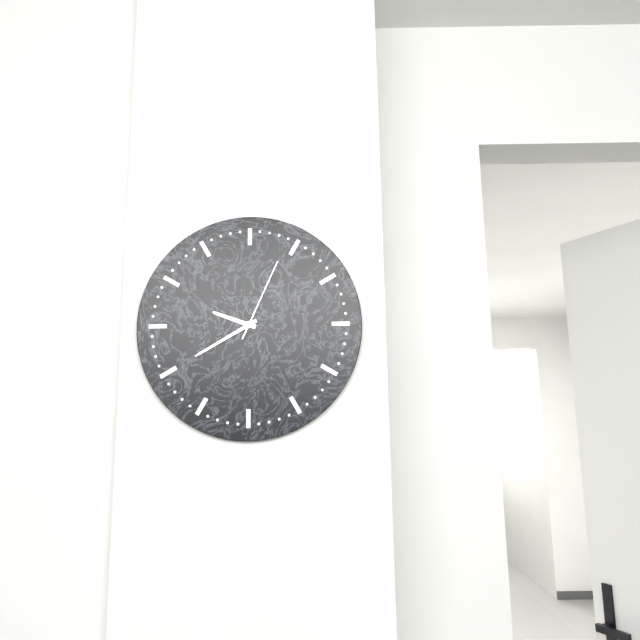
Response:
{"hour": 9, "minute": 40, "second": 4}
